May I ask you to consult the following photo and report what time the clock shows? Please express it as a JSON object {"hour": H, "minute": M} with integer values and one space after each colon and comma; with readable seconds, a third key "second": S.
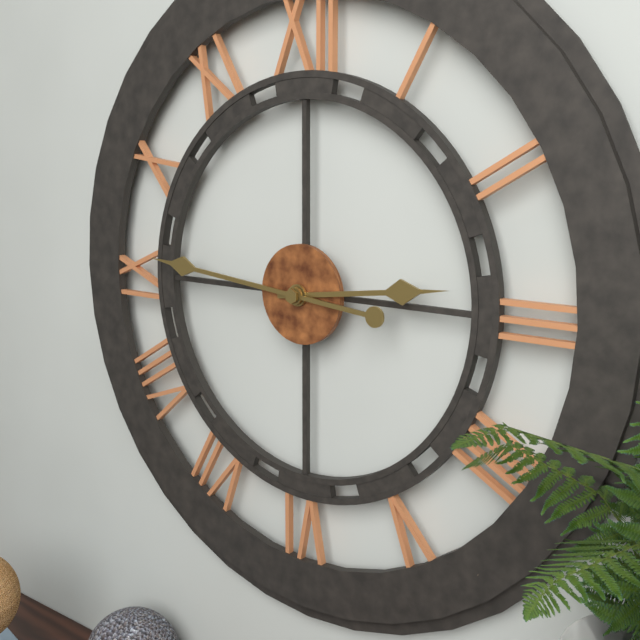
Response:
{"hour": 2, "minute": 46}
